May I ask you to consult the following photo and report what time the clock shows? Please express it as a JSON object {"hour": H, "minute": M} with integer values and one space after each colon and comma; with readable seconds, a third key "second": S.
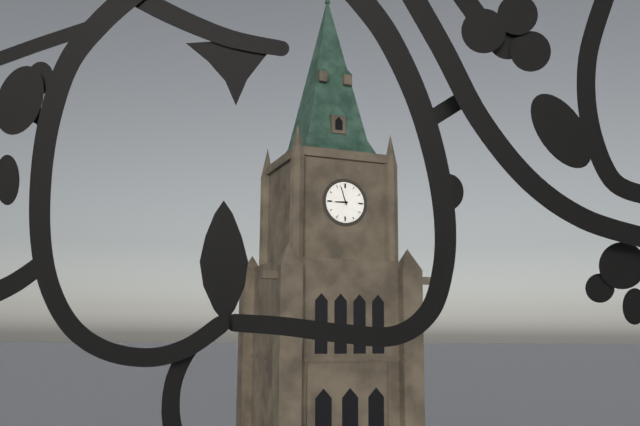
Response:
{"hour": 8, "minute": 57}
